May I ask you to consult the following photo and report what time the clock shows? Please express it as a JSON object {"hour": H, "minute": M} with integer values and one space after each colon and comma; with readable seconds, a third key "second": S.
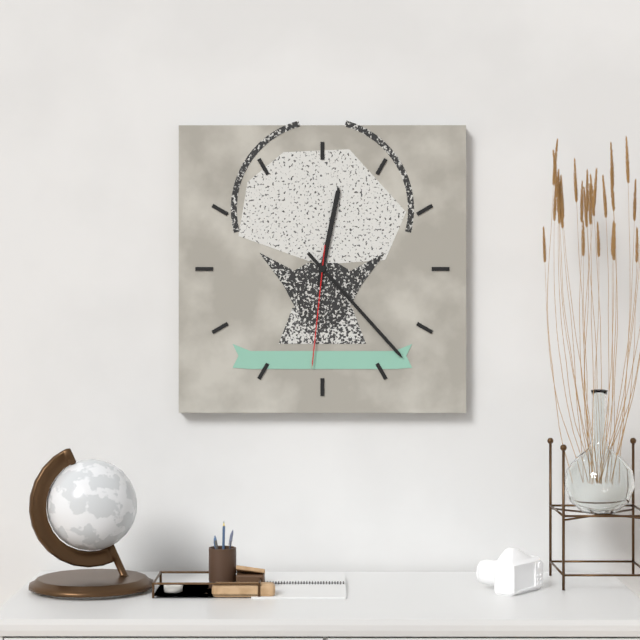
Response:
{"hour": 12, "minute": 23, "second": 31}
